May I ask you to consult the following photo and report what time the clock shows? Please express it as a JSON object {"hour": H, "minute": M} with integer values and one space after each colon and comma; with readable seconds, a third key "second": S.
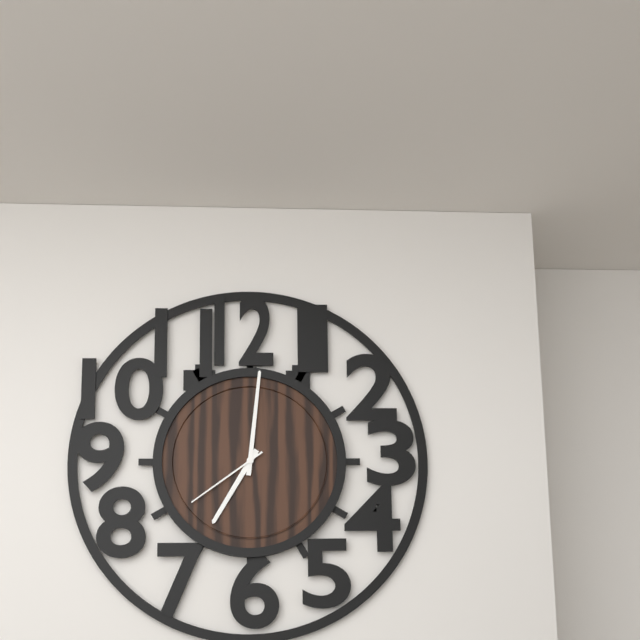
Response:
{"hour": 7, "minute": 1, "second": 39}
